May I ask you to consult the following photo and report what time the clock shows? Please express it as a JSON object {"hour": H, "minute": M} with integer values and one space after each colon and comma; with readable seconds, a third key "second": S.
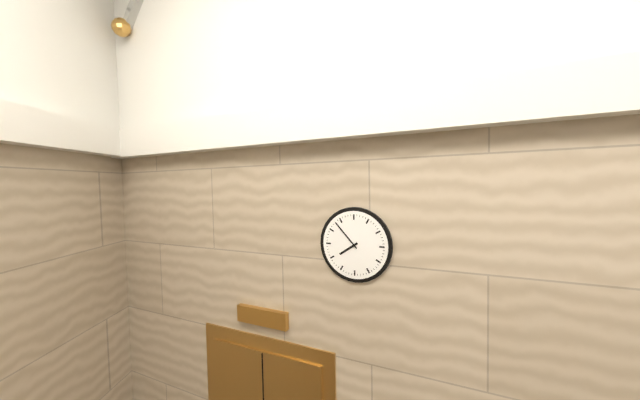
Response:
{"hour": 7, "minute": 53}
